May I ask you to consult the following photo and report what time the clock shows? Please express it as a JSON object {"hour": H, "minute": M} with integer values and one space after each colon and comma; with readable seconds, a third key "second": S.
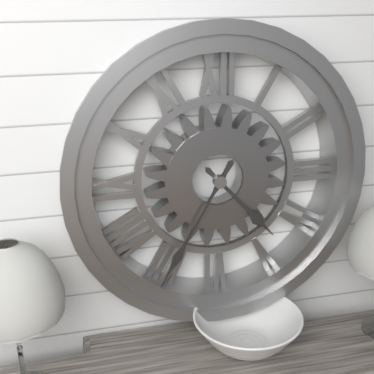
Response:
{"hour": 4, "minute": 35}
